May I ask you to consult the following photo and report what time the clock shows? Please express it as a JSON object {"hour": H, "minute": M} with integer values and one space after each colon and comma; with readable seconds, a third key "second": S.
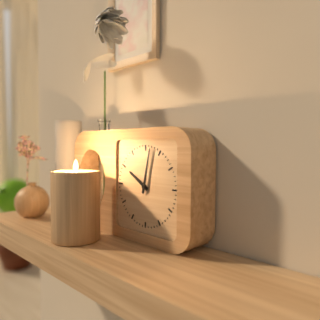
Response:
{"hour": 10, "minute": 2}
